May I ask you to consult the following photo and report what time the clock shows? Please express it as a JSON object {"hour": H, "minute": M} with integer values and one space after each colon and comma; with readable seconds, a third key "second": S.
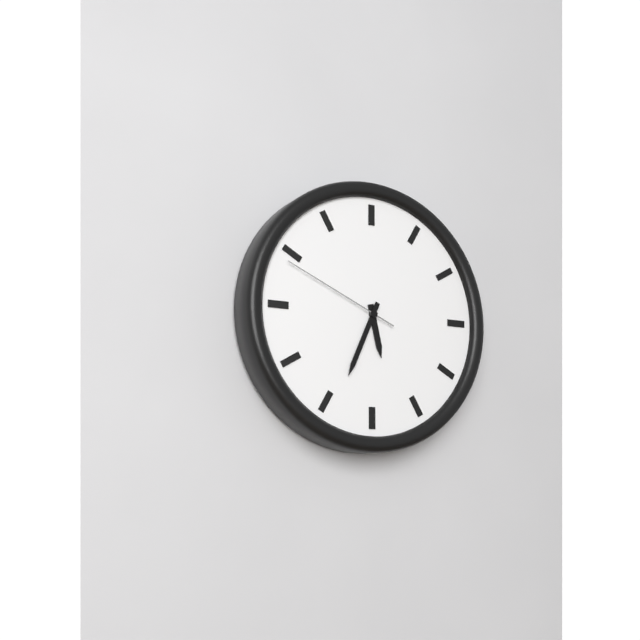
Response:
{"hour": 5, "minute": 34, "second": 49}
